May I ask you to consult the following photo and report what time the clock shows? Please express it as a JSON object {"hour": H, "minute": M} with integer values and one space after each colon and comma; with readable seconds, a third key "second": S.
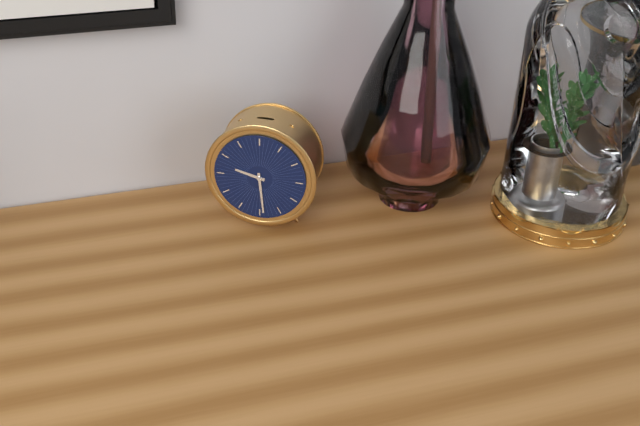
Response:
{"hour": 9, "minute": 29}
